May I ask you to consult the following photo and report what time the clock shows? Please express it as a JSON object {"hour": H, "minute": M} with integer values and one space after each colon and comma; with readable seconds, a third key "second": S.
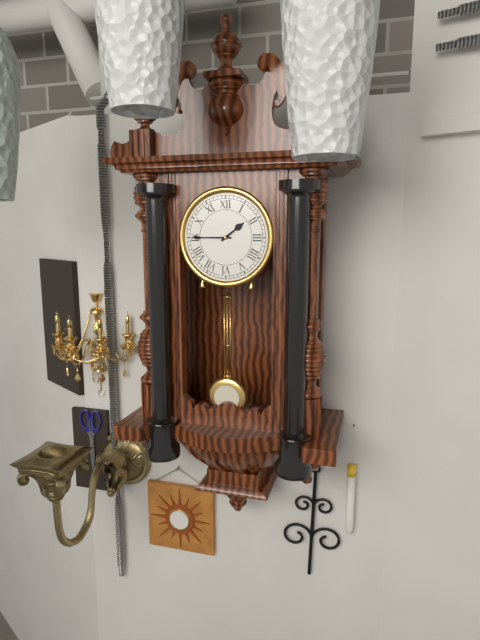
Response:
{"hour": 1, "minute": 45}
